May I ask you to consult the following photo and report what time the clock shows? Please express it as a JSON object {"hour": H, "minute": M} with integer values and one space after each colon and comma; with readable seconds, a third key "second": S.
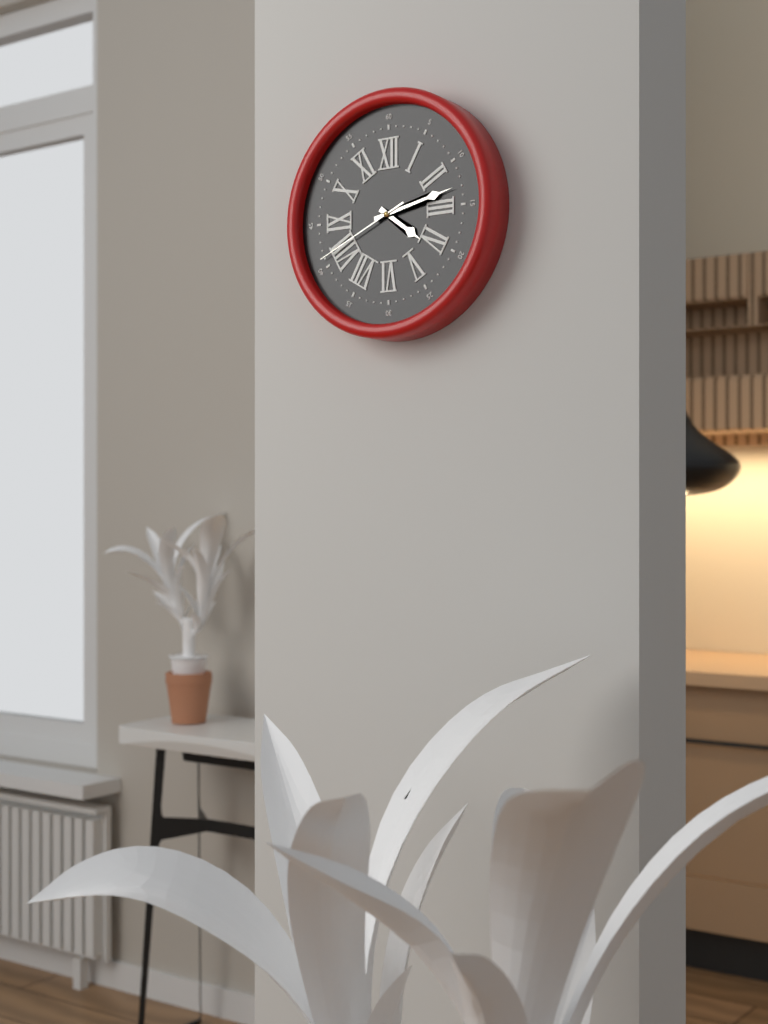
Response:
{"hour": 4, "minute": 13, "second": 41}
